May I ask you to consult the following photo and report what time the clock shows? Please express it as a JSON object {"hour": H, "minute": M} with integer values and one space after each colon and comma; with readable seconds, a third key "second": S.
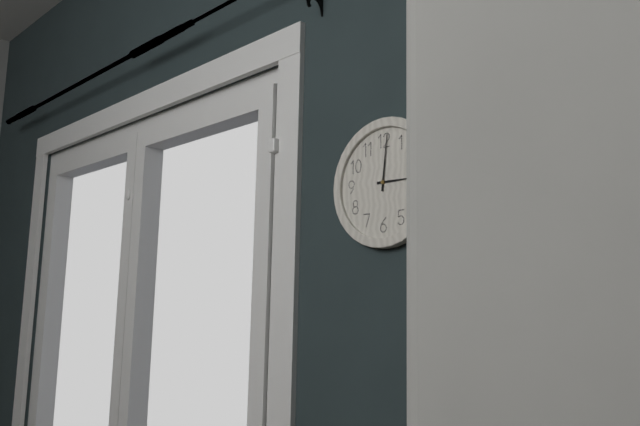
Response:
{"hour": 3, "minute": 1}
